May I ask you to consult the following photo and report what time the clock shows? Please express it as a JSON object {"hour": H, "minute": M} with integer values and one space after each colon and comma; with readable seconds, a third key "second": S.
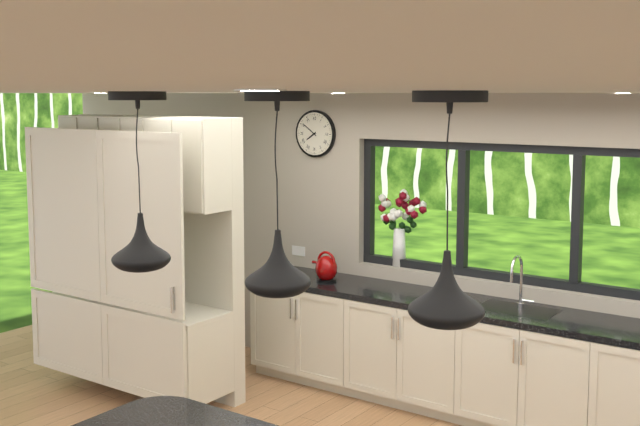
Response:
{"hour": 7, "minute": 51}
